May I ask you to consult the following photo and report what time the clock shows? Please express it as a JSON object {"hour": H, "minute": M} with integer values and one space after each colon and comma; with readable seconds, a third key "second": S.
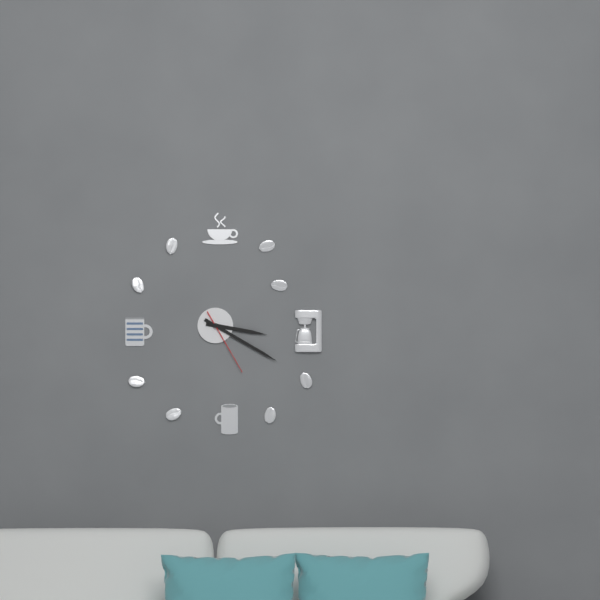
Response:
{"hour": 3, "minute": 20, "second": 25}
